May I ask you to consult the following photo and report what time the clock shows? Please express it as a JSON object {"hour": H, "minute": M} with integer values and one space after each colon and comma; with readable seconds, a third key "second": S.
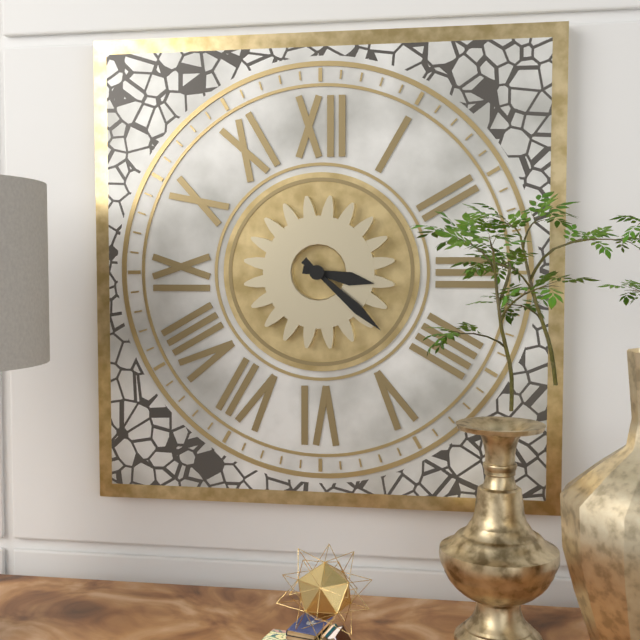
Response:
{"hour": 3, "minute": 22}
